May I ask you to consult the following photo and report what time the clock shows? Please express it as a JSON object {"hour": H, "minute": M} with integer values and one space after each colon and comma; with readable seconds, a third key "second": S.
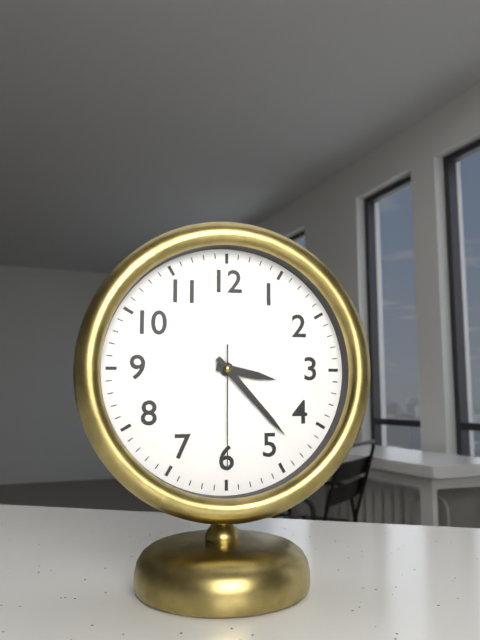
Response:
{"hour": 3, "minute": 23, "second": 30}
